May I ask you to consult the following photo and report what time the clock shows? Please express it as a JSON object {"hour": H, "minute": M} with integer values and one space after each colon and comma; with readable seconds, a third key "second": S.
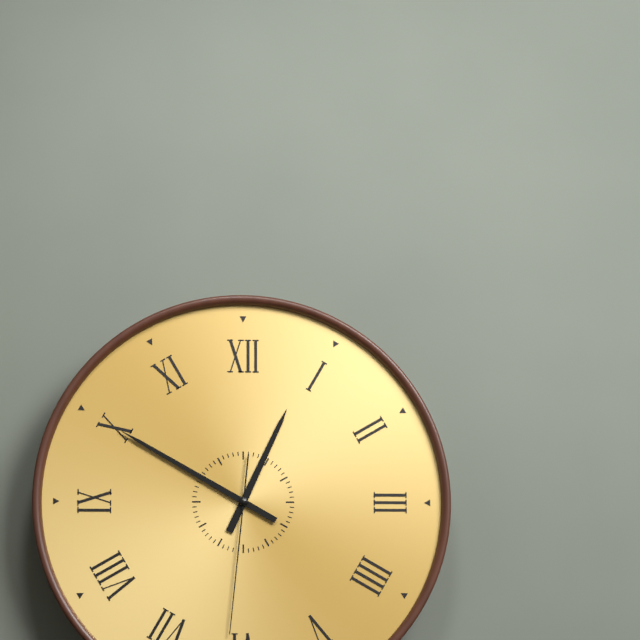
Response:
{"hour": 12, "minute": 50, "second": 31}
